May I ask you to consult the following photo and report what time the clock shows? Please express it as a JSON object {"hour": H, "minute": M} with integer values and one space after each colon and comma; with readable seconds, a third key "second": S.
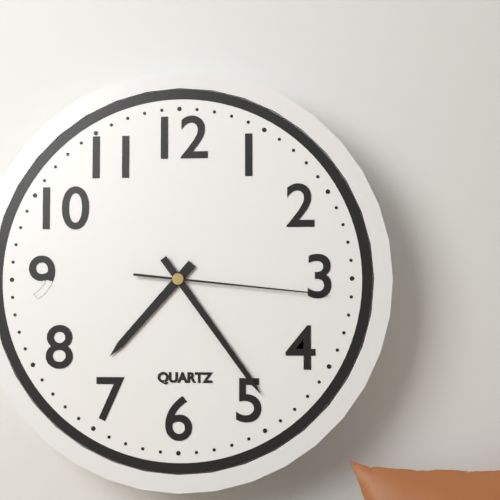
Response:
{"hour": 7, "minute": 24, "second": 16}
